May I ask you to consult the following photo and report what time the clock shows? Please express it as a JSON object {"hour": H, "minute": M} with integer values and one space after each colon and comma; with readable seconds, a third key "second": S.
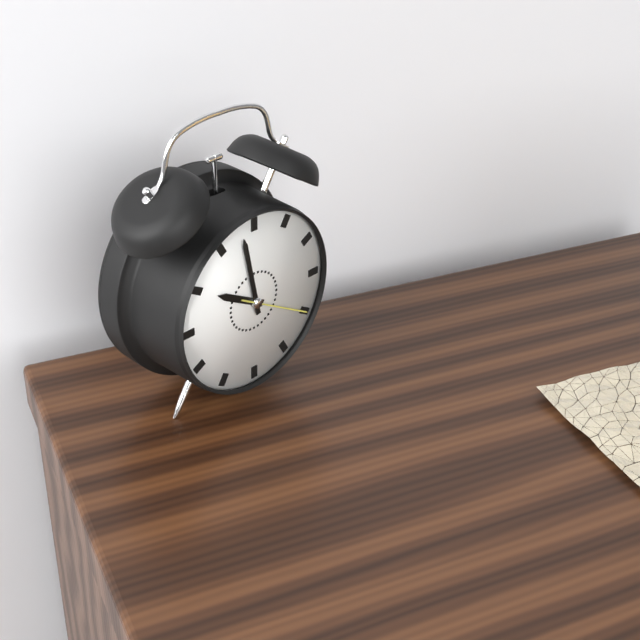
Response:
{"hour": 9, "minute": 58, "second": 20}
